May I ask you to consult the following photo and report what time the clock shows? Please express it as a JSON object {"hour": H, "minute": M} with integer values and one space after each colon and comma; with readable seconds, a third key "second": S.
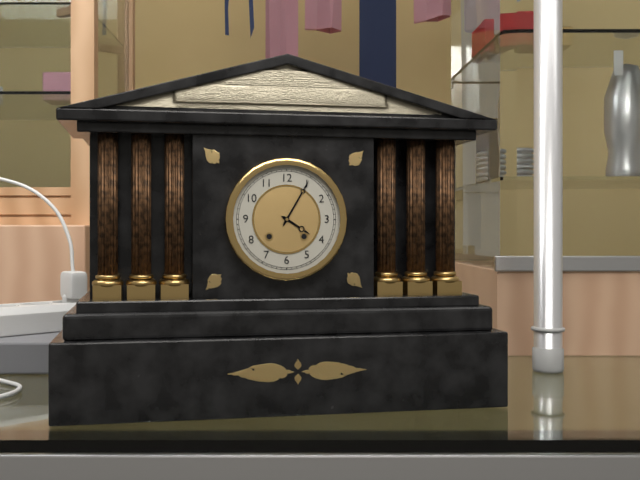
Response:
{"hour": 4, "minute": 5}
